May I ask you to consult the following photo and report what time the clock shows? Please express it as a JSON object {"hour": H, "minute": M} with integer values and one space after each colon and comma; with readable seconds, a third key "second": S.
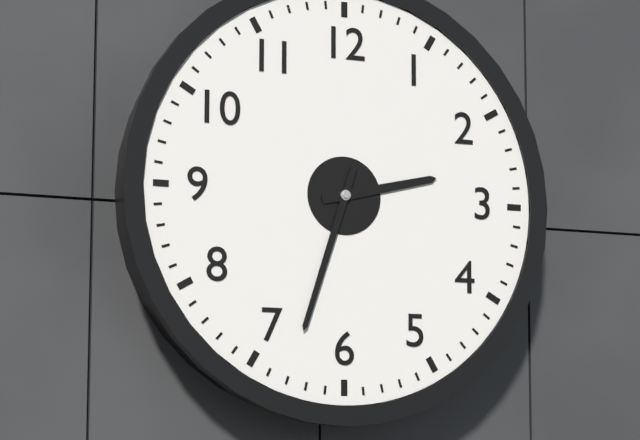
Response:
{"hour": 2, "minute": 33}
